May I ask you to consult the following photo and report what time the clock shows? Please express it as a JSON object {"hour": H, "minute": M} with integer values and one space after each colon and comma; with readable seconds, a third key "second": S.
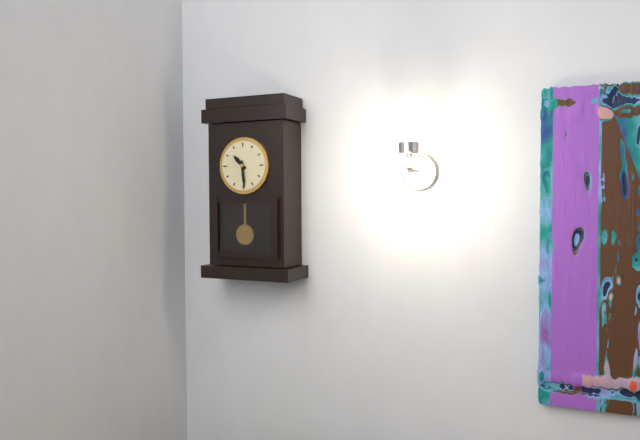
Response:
{"hour": 10, "minute": 29}
